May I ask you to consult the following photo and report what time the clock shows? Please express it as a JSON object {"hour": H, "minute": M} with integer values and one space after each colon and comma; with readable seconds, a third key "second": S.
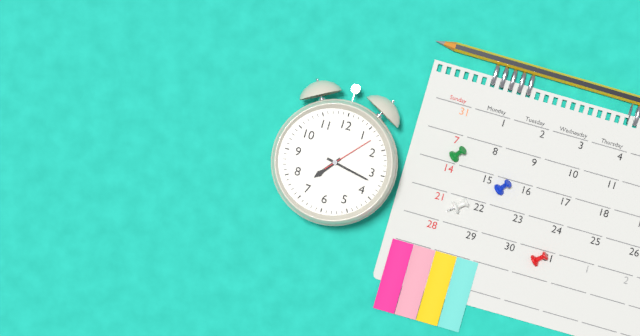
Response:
{"hour": 7, "minute": 17, "second": 7}
